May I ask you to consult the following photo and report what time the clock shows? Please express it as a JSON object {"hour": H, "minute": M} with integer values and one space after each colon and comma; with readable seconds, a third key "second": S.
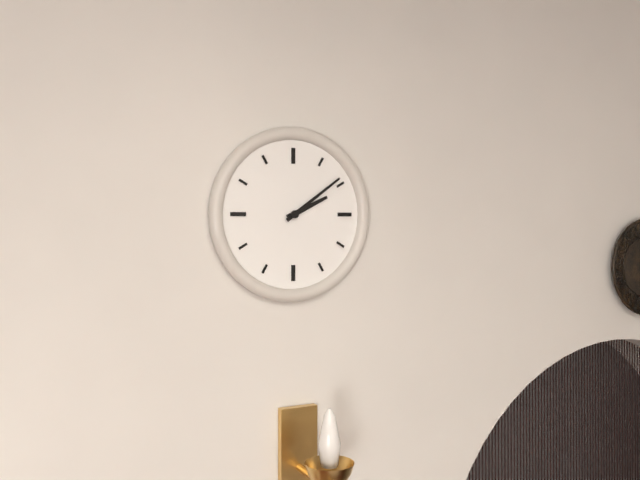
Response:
{"hour": 2, "minute": 9}
